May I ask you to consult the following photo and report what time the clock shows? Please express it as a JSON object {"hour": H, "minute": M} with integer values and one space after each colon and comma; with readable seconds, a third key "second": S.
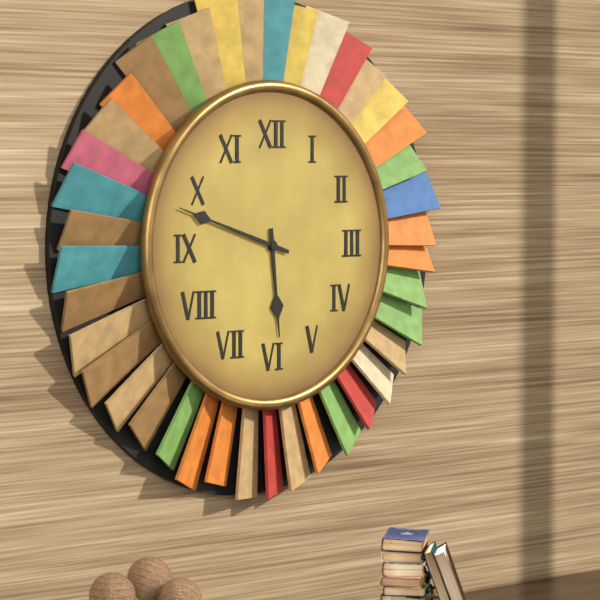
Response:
{"hour": 5, "minute": 48}
